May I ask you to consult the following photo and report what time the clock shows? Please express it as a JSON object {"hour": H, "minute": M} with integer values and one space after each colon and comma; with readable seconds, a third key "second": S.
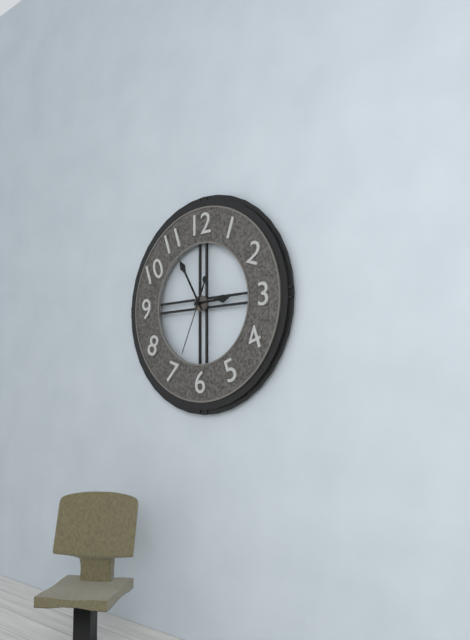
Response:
{"hour": 2, "minute": 55, "second": 34}
